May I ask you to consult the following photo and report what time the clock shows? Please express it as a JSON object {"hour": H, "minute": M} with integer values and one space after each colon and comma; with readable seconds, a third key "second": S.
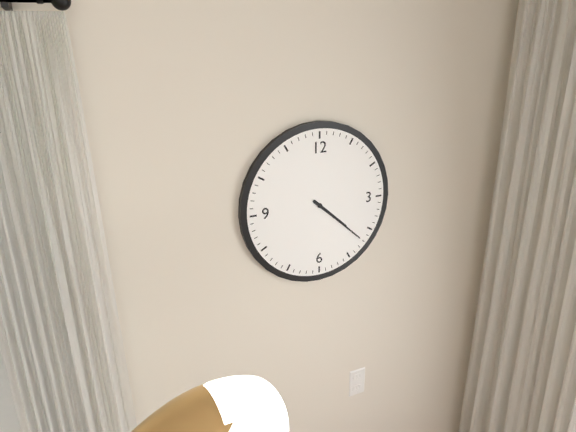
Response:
{"hour": 4, "minute": 22}
